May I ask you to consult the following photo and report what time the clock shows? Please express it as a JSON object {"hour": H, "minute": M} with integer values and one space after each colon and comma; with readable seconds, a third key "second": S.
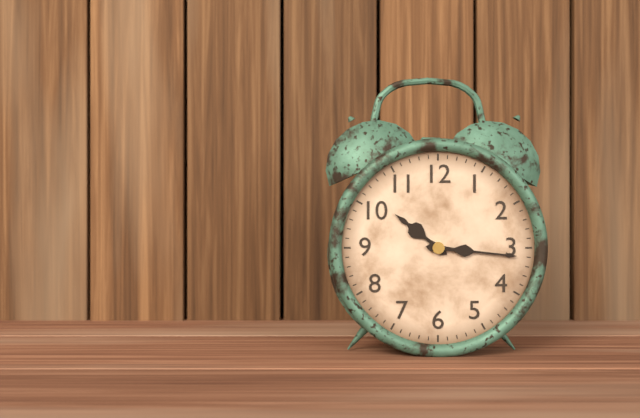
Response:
{"hour": 10, "minute": 16}
